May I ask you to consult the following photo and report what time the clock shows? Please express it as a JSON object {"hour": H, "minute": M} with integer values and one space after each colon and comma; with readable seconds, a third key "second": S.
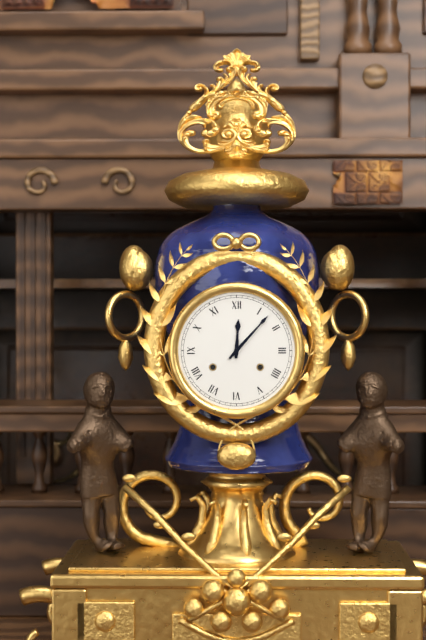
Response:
{"hour": 12, "minute": 7}
